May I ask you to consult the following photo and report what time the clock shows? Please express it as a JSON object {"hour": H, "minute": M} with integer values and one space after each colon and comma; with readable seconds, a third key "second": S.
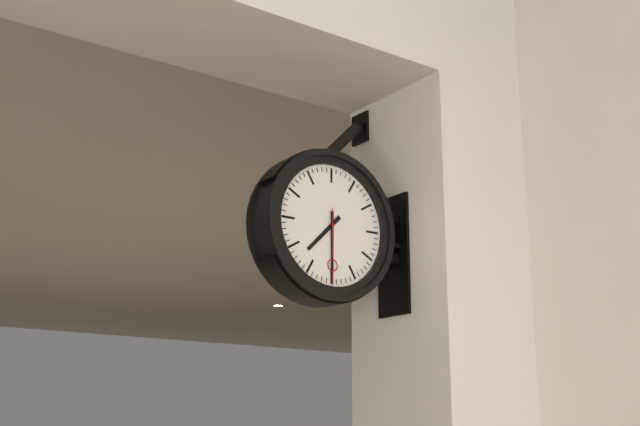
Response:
{"hour": 7, "minute": 30, "second": 30}
